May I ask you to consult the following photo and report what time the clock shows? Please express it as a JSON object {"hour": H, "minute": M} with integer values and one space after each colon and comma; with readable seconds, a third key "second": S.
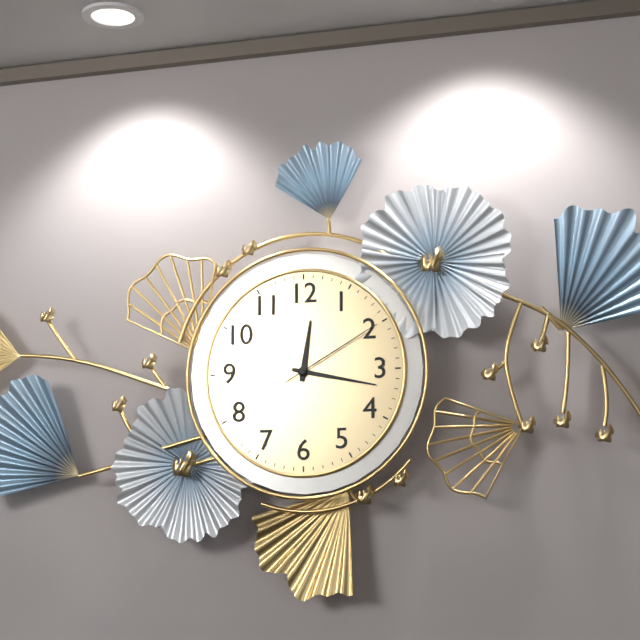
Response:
{"hour": 12, "minute": 17, "second": 10}
